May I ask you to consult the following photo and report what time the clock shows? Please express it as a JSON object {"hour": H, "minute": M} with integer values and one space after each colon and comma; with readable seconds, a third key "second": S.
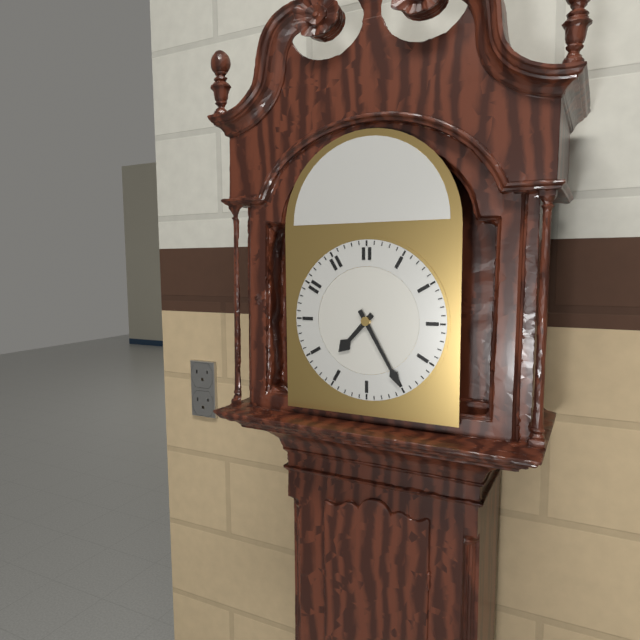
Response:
{"hour": 7, "minute": 25}
